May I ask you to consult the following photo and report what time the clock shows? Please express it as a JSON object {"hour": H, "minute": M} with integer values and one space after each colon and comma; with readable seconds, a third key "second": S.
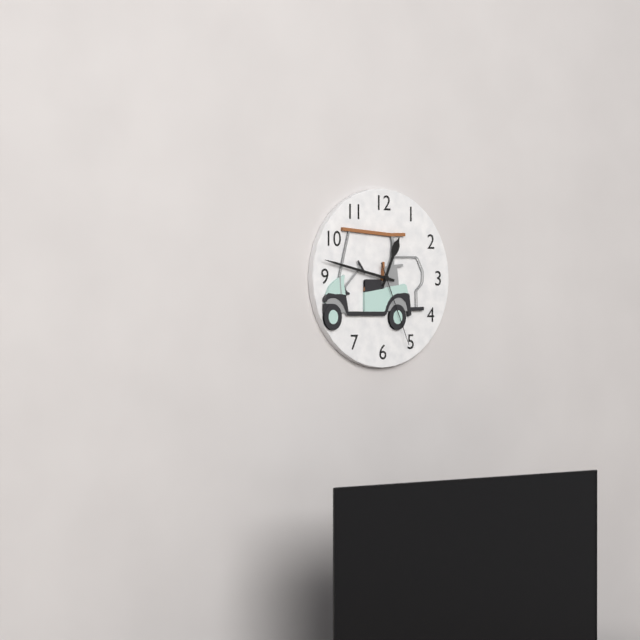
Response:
{"hour": 12, "minute": 47, "second": 26}
